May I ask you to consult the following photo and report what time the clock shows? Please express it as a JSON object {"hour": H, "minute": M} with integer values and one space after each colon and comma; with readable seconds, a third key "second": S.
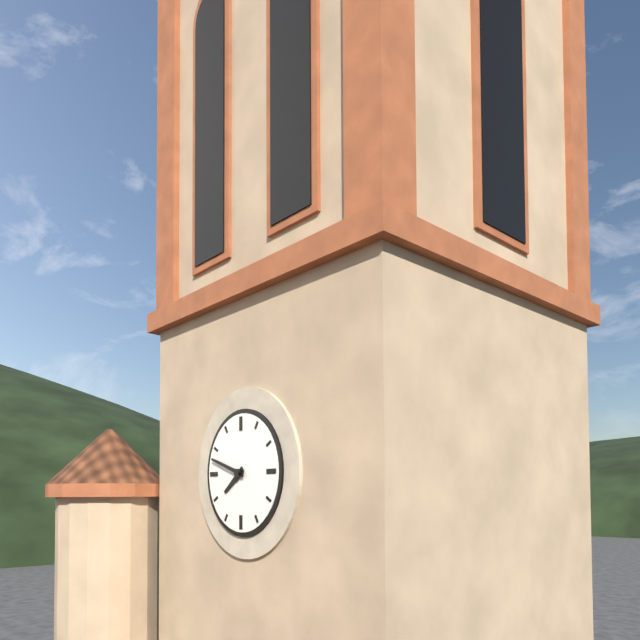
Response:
{"hour": 7, "minute": 48}
